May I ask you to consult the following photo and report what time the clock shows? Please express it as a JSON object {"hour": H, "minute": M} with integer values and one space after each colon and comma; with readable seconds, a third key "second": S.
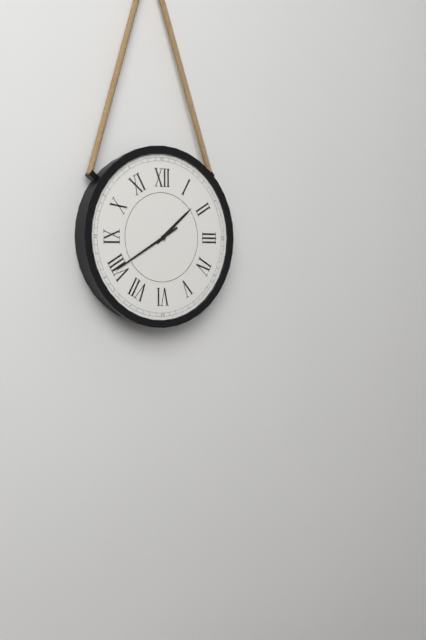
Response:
{"hour": 1, "minute": 40}
